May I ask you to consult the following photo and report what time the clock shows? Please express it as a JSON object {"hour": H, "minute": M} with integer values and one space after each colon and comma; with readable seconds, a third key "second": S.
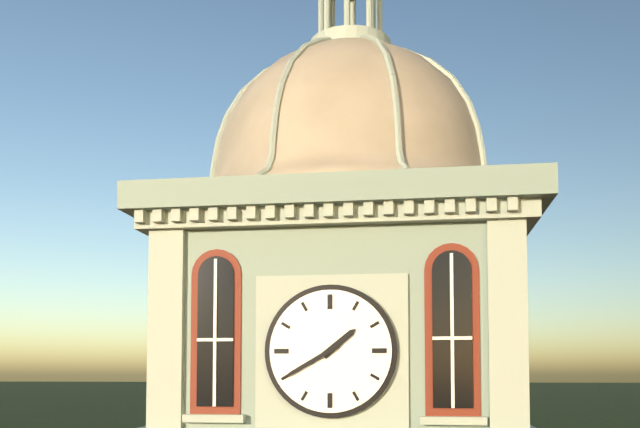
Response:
{"hour": 1, "minute": 40}
